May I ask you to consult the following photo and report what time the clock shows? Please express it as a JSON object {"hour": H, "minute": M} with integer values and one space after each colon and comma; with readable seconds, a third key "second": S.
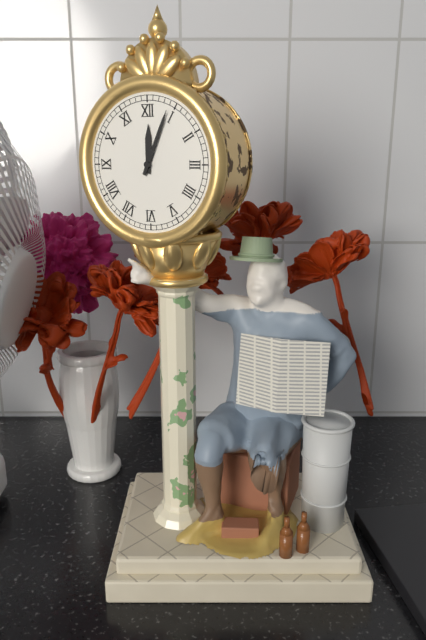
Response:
{"hour": 12, "minute": 4}
